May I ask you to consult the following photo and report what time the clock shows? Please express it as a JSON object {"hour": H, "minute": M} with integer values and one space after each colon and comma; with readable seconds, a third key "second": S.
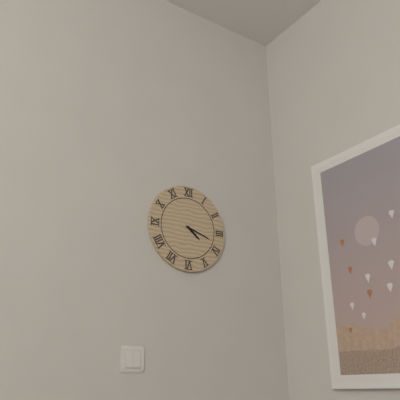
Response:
{"hour": 4, "minute": 18}
